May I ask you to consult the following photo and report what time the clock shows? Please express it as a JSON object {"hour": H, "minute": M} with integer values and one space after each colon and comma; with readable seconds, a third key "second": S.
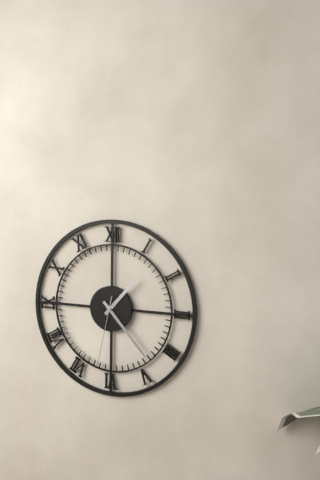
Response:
{"hour": 1, "minute": 23, "second": 32}
